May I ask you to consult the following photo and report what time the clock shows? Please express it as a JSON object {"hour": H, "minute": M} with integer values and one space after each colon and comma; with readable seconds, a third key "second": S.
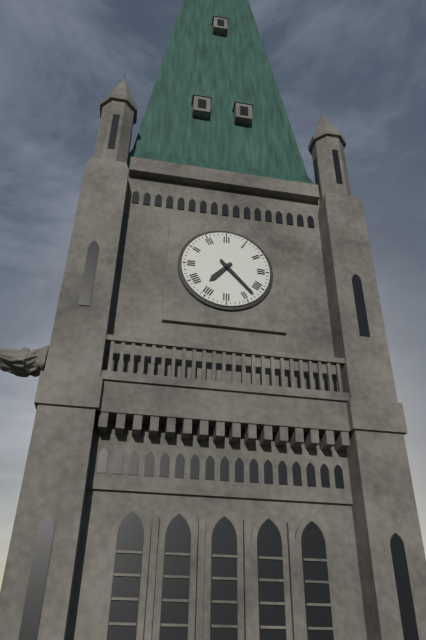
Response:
{"hour": 7, "minute": 23}
